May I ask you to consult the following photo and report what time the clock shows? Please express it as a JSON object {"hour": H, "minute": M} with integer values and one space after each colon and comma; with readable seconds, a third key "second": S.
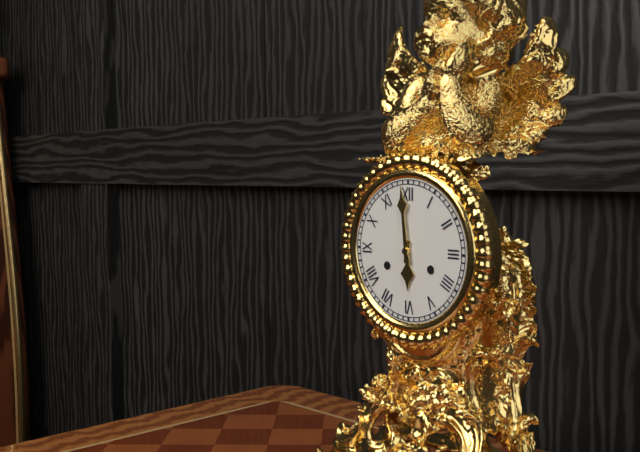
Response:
{"hour": 5, "minute": 59}
